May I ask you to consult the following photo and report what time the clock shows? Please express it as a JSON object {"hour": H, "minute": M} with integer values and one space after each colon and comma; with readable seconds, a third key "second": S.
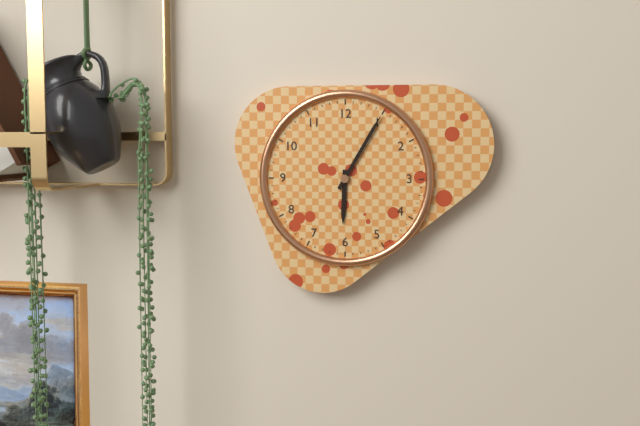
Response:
{"hour": 6, "minute": 5}
